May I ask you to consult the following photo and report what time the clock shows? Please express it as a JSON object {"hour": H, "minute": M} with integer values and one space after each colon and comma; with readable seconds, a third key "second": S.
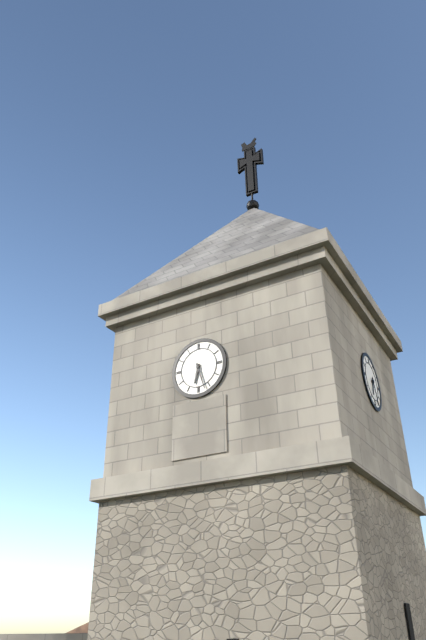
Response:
{"hour": 6, "minute": 27}
